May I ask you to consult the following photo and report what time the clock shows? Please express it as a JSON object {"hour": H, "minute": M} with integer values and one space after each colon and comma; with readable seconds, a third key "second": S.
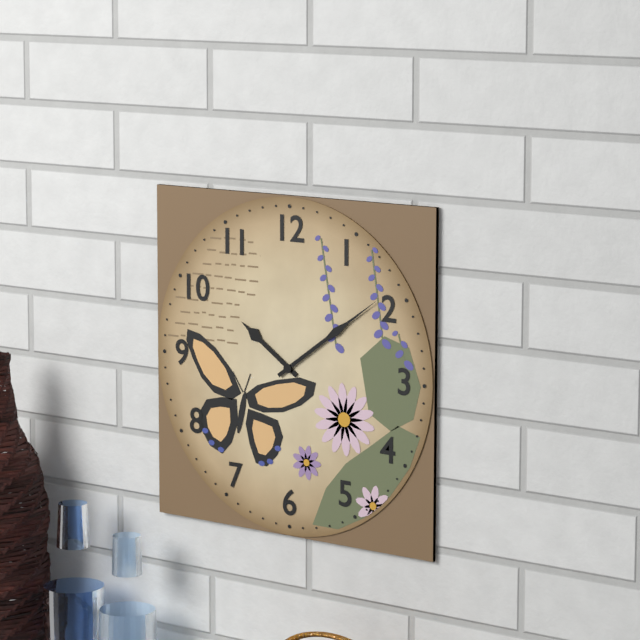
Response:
{"hour": 10, "minute": 9}
